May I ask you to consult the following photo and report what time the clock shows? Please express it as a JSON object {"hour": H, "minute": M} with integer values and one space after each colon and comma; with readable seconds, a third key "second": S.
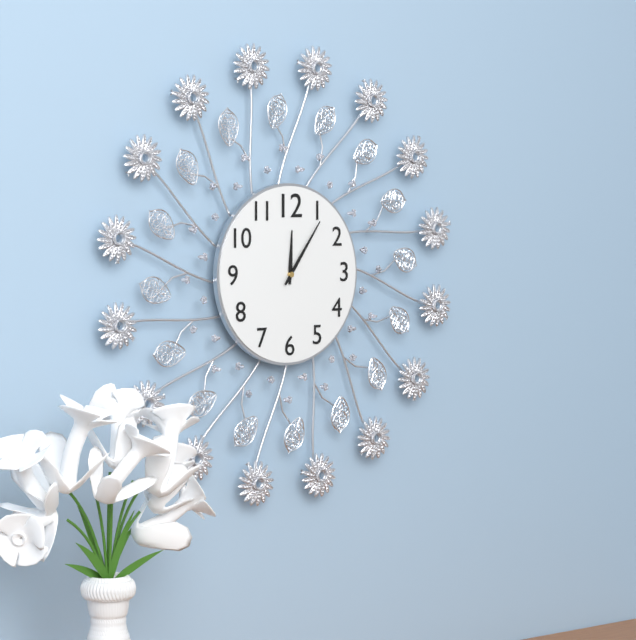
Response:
{"hour": 12, "minute": 6}
